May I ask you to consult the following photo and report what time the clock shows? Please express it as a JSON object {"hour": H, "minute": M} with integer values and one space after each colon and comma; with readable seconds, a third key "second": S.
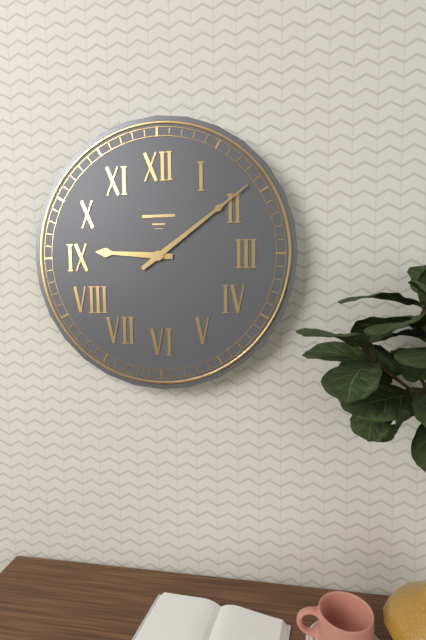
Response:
{"hour": 9, "minute": 9}
